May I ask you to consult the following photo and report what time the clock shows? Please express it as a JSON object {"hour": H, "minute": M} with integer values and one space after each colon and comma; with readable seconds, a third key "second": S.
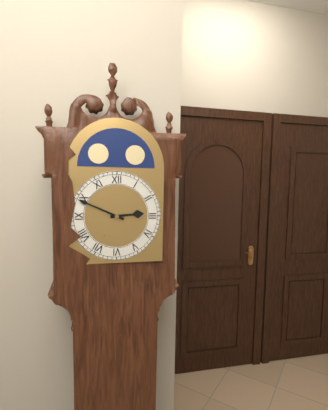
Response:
{"hour": 2, "minute": 49}
